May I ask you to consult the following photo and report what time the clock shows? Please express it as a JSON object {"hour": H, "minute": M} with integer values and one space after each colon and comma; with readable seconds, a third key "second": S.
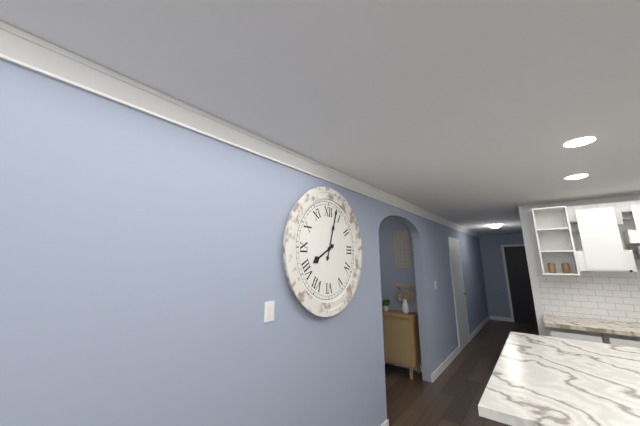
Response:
{"hour": 8, "minute": 3}
